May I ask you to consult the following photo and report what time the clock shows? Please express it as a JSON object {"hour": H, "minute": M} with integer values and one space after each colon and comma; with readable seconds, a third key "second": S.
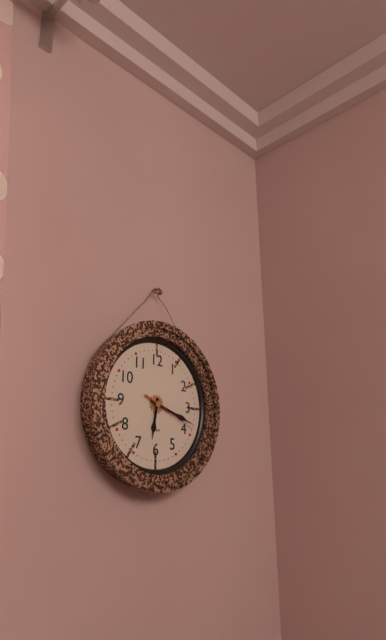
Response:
{"hour": 6, "minute": 18, "second": 19}
